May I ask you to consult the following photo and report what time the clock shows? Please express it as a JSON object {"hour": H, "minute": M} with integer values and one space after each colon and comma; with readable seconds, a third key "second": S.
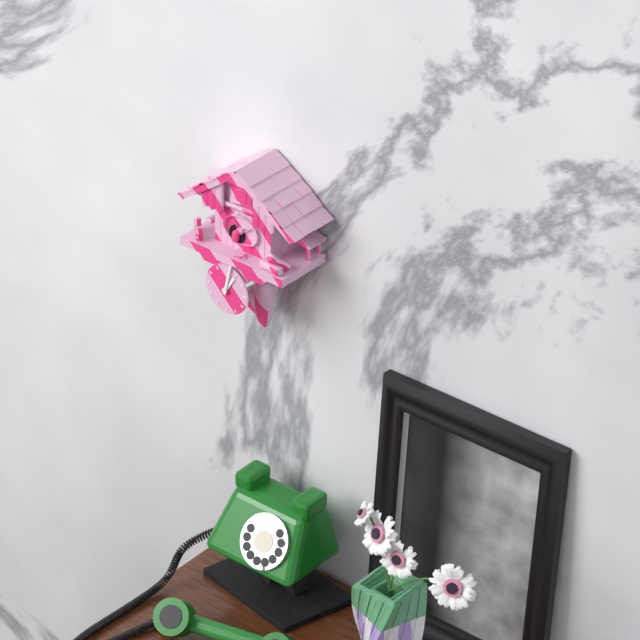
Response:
{"hour": 1, "minute": 2}
